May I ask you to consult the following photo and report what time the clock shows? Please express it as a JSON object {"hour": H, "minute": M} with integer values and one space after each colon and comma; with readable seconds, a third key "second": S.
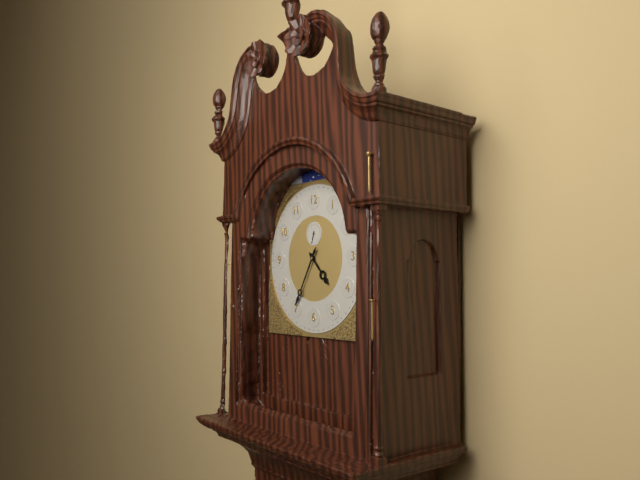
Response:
{"hour": 4, "minute": 35}
